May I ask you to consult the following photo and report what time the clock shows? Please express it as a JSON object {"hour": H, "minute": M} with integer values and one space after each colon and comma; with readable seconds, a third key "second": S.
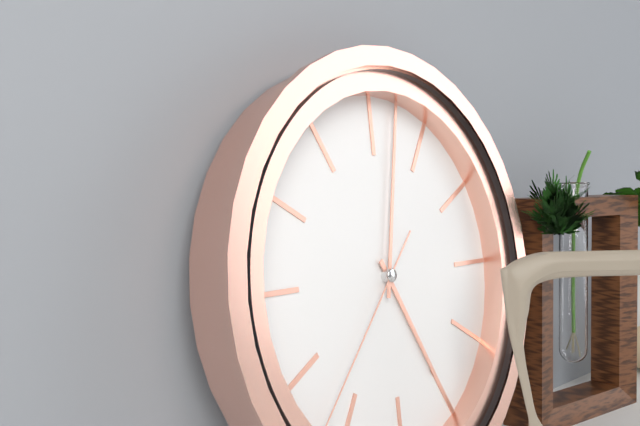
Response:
{"hour": 5, "minute": 2}
